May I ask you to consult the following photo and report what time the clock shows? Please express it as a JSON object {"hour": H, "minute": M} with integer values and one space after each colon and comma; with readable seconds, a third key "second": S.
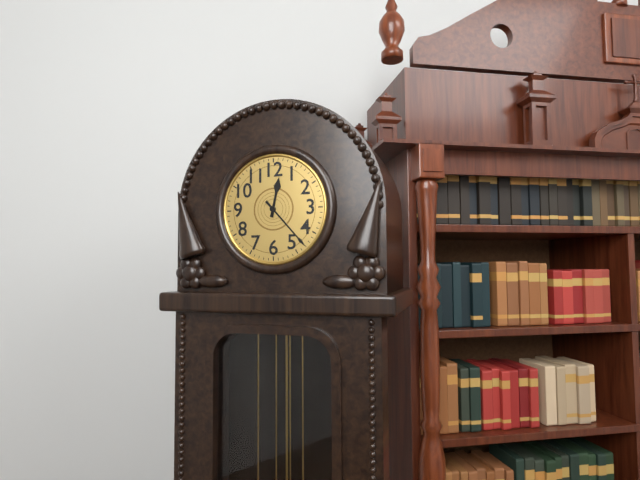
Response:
{"hour": 12, "minute": 23}
